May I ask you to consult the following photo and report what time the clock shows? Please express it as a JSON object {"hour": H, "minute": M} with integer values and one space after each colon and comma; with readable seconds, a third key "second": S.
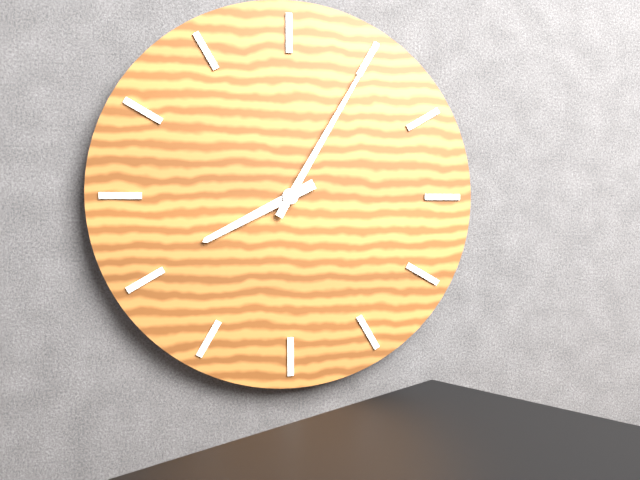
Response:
{"hour": 8, "minute": 5}
